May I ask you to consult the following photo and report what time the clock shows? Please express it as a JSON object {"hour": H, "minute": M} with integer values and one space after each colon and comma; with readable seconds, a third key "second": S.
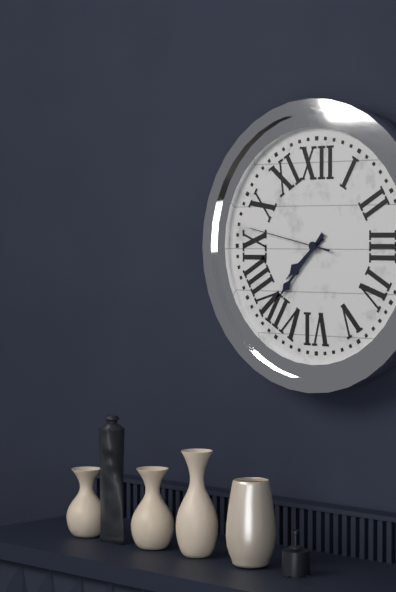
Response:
{"hour": 7, "minute": 37, "second": 47}
